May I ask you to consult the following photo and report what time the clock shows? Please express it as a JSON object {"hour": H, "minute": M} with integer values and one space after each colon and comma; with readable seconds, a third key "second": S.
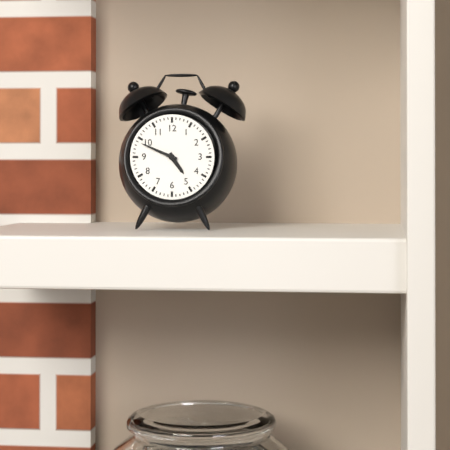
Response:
{"hour": 4, "minute": 49}
